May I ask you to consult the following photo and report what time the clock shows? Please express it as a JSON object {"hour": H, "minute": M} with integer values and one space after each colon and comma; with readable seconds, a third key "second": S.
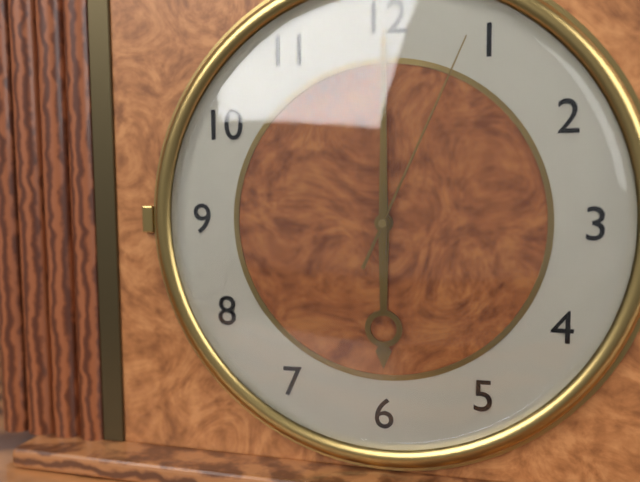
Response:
{"hour": 6, "minute": 0, "second": 4}
